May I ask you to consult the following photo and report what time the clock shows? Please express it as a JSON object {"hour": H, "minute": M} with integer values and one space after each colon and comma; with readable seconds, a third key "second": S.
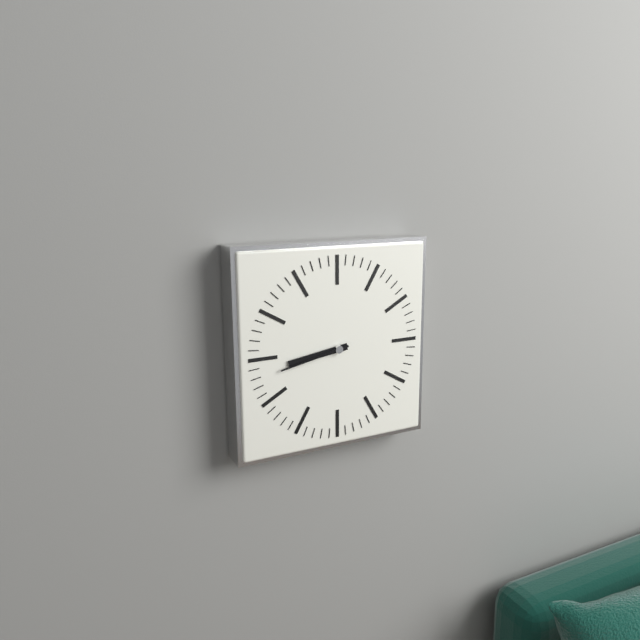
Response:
{"hour": 8, "minute": 43}
